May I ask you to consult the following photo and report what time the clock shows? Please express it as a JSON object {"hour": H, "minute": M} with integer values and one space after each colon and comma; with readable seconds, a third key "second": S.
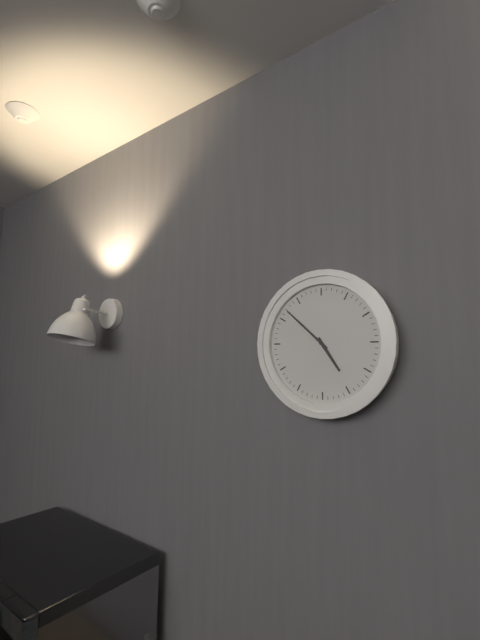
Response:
{"hour": 4, "minute": 52}
